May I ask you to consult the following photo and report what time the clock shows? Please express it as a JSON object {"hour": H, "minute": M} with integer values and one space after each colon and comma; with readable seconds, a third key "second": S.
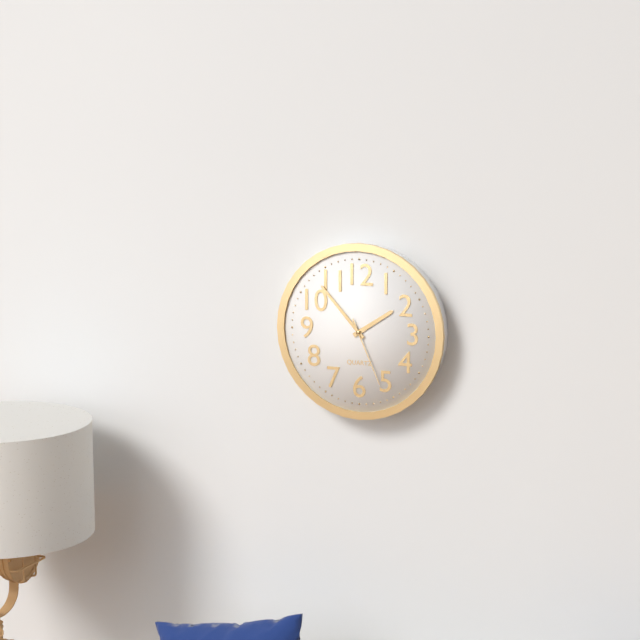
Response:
{"hour": 1, "minute": 53, "second": 26}
